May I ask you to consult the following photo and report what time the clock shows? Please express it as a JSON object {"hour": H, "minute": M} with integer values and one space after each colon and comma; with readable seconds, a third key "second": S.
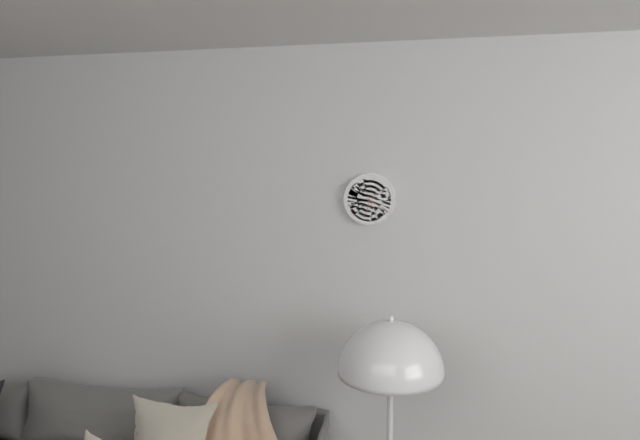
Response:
{"hour": 6, "minute": 21}
